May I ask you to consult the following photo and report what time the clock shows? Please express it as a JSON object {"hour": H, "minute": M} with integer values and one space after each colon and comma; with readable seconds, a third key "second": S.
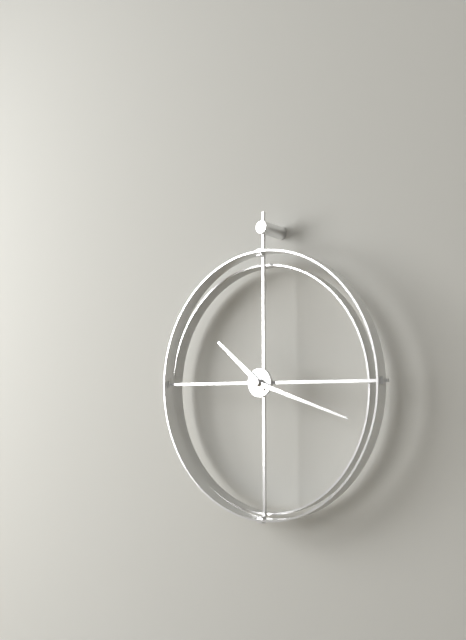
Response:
{"hour": 10, "minute": 18}
